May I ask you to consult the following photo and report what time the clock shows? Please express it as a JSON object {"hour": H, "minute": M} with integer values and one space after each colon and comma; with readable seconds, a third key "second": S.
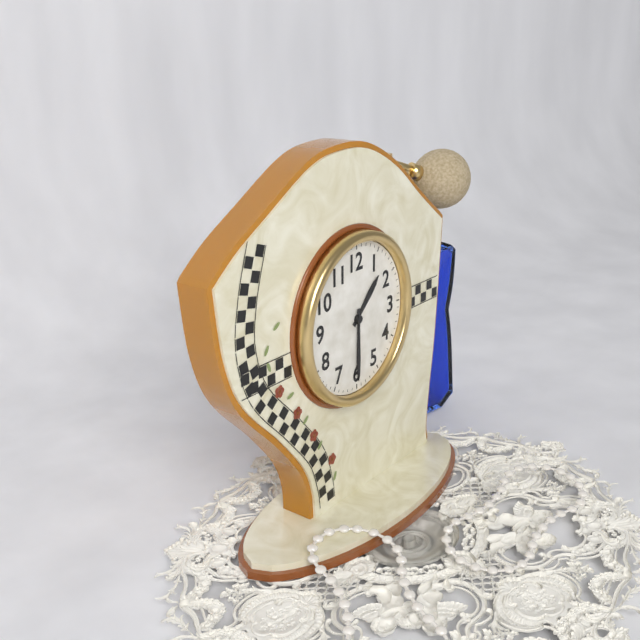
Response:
{"hour": 1, "minute": 30}
